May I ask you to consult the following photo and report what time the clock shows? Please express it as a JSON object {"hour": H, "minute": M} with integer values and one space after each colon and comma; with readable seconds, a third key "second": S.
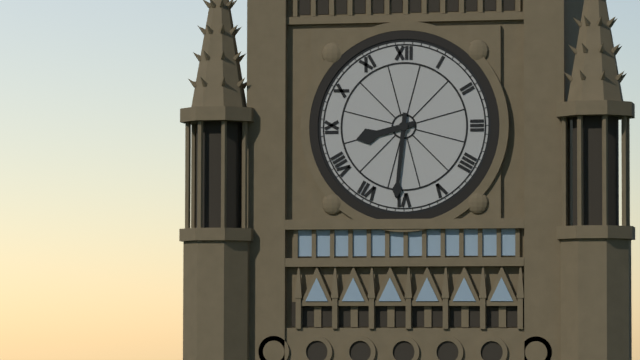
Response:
{"hour": 8, "minute": 31}
